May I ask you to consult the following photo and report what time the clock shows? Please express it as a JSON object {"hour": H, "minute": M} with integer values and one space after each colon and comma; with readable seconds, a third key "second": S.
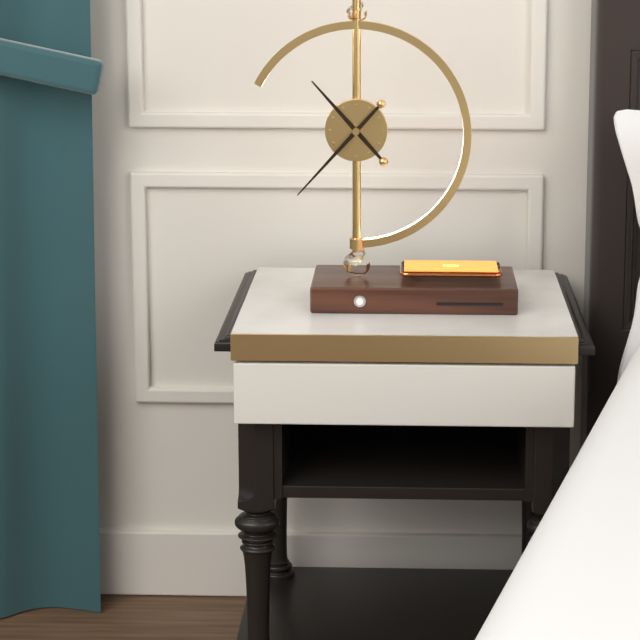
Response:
{"hour": 10, "minute": 37}
